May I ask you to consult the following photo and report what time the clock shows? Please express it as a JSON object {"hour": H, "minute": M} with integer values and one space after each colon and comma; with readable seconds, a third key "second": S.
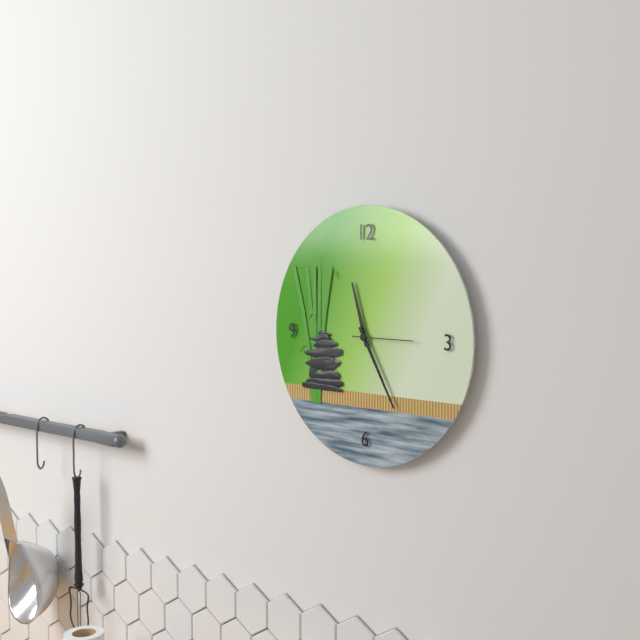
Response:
{"hour": 11, "minute": 25, "second": 15}
